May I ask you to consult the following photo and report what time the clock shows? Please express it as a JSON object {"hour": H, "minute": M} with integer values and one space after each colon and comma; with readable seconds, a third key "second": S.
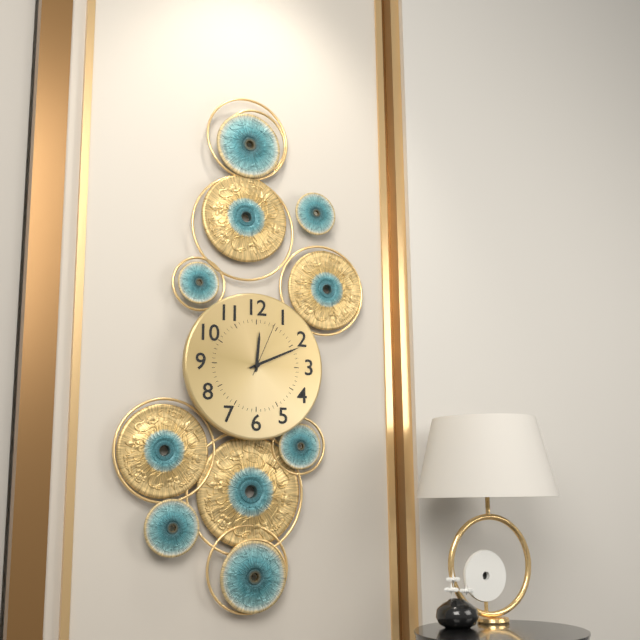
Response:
{"hour": 12, "minute": 11, "second": 4}
